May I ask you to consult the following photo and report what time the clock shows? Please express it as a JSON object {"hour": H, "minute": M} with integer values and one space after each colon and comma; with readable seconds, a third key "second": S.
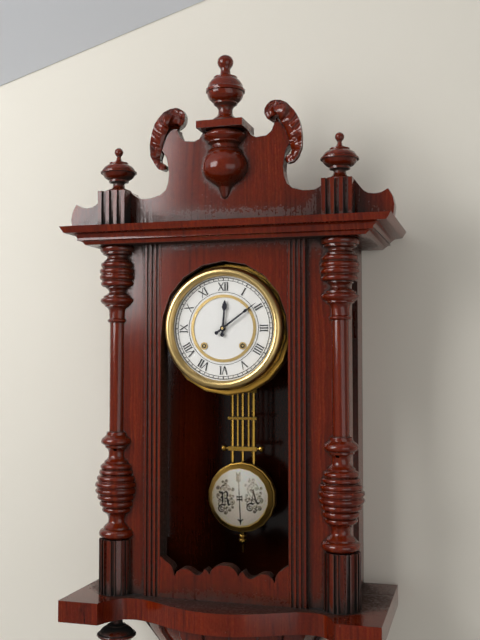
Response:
{"hour": 12, "minute": 9}
